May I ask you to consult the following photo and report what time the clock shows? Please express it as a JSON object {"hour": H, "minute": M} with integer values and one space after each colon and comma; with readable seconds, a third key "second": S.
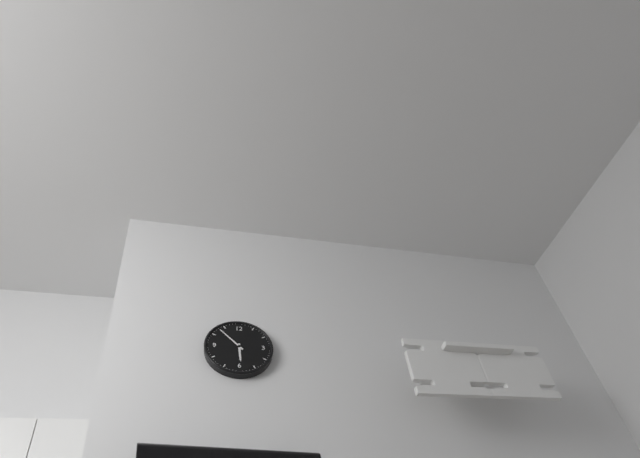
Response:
{"hour": 5, "minute": 53}
